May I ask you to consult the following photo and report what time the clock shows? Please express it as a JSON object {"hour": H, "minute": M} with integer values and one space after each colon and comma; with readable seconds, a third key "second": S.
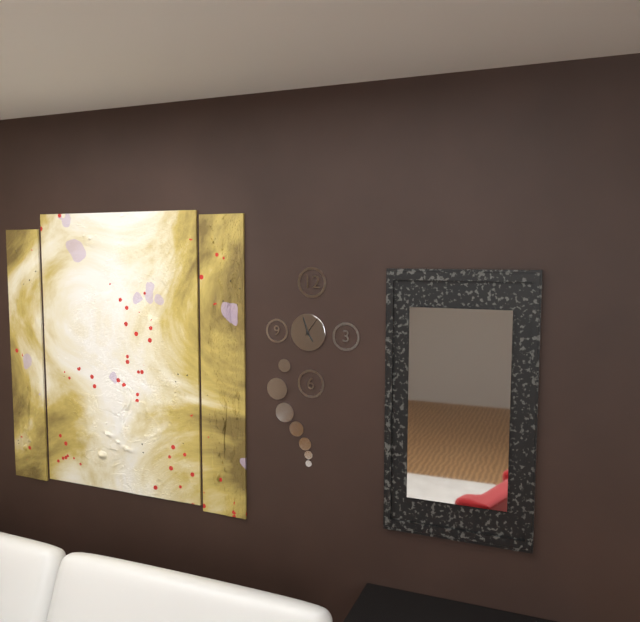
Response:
{"hour": 4, "minute": 57}
